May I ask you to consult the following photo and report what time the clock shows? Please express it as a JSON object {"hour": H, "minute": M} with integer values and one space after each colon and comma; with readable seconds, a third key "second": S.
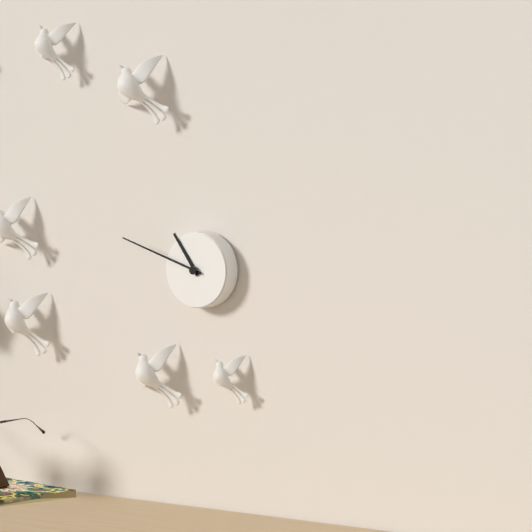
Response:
{"hour": 10, "minute": 48}
